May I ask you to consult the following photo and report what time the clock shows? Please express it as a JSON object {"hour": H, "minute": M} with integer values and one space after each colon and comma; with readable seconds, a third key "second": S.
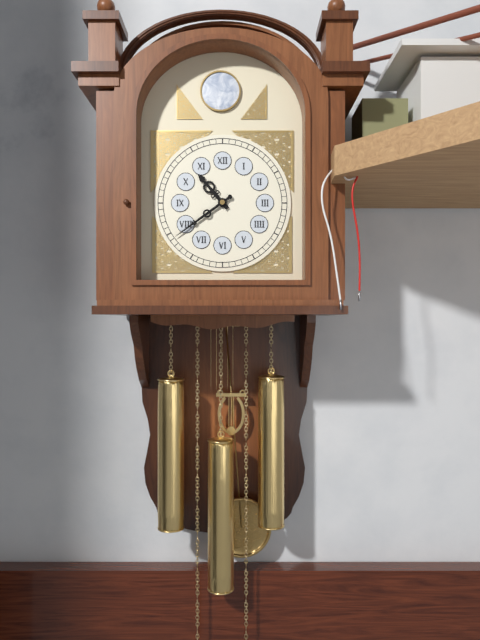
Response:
{"hour": 10, "minute": 39}
